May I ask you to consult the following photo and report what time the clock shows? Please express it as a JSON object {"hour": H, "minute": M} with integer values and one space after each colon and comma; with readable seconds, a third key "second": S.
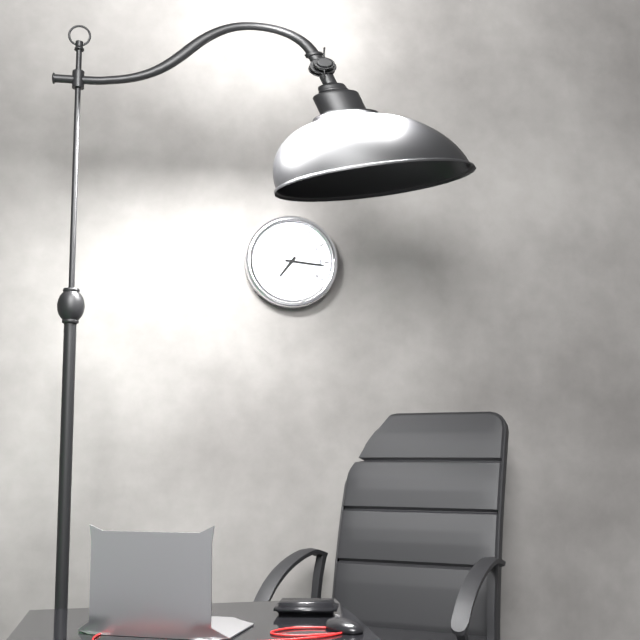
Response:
{"hour": 7, "minute": 16}
